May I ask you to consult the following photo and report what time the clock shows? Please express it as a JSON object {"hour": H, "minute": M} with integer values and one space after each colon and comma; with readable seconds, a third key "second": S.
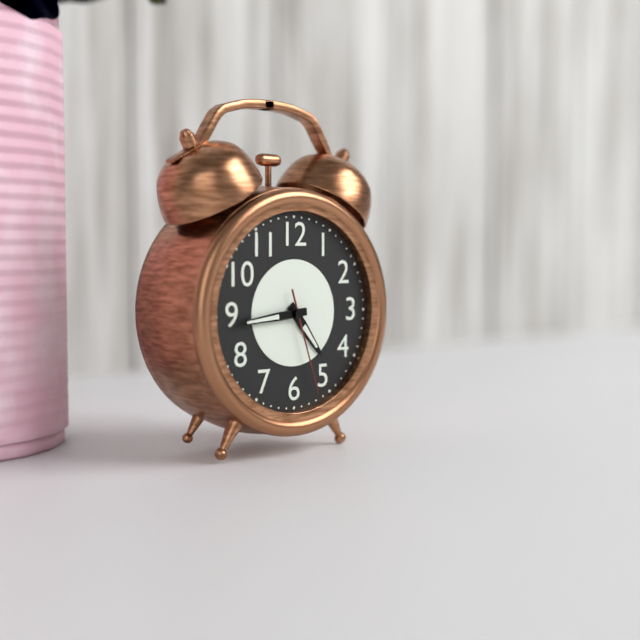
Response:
{"hour": 4, "minute": 44, "second": 27}
